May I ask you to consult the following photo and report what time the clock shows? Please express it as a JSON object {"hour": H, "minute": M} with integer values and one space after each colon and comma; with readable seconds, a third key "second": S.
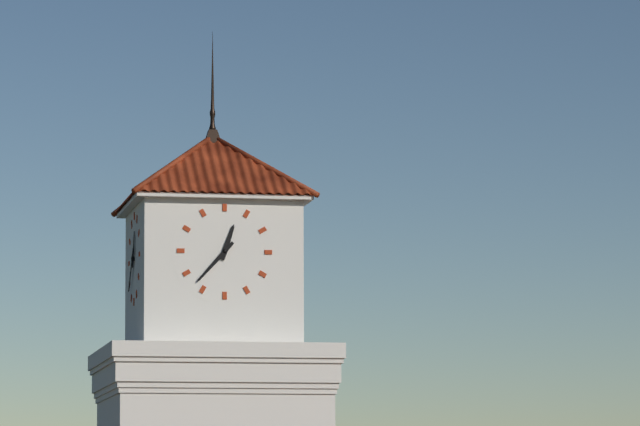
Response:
{"hour": 12, "minute": 37}
